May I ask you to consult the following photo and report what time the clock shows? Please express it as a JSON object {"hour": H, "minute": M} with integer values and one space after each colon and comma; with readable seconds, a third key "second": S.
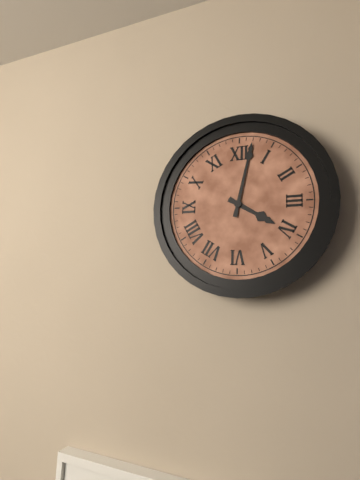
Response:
{"hour": 4, "minute": 2}
